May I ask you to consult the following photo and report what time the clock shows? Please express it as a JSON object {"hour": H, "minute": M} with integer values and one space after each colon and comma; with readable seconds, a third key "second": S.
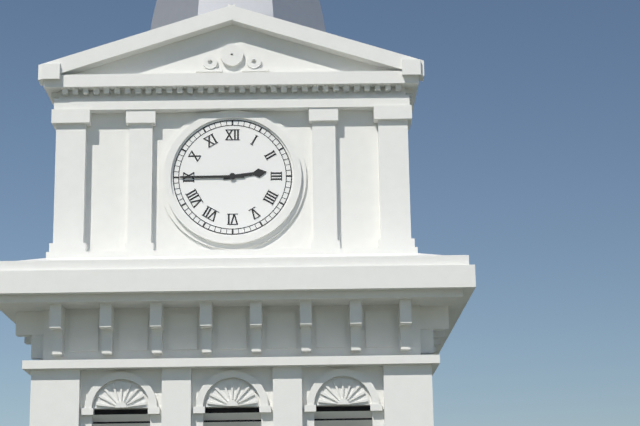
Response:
{"hour": 2, "minute": 45}
